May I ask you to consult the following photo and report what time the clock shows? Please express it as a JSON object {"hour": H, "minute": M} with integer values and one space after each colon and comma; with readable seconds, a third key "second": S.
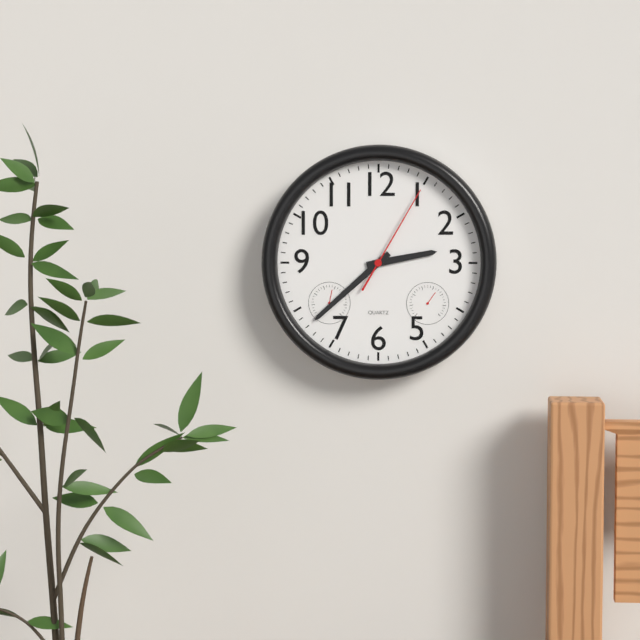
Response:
{"hour": 2, "minute": 38, "second": 5}
